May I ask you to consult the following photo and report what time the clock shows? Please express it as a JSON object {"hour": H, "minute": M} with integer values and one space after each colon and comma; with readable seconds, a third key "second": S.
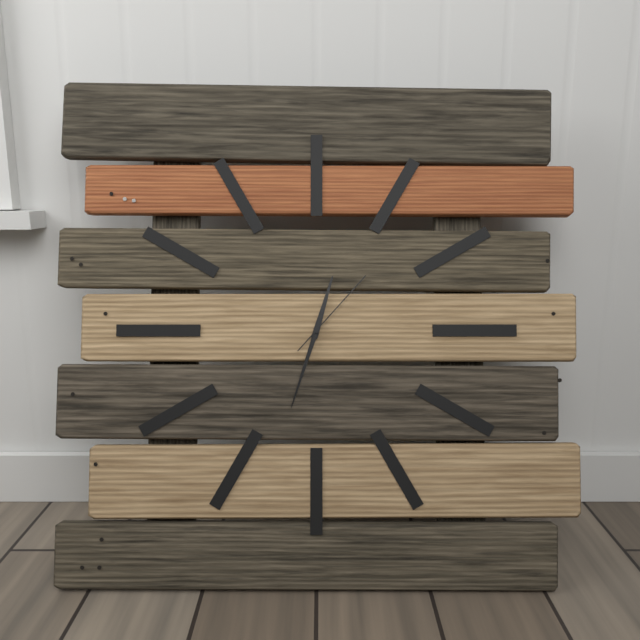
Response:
{"hour": 12, "minute": 33, "second": 7}
